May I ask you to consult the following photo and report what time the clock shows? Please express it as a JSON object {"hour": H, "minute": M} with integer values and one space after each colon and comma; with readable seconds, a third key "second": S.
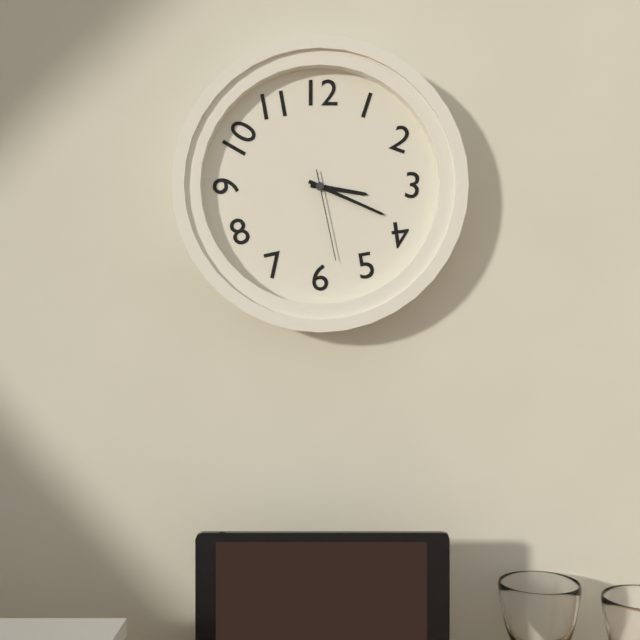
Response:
{"hour": 3, "minute": 19, "second": 28}
